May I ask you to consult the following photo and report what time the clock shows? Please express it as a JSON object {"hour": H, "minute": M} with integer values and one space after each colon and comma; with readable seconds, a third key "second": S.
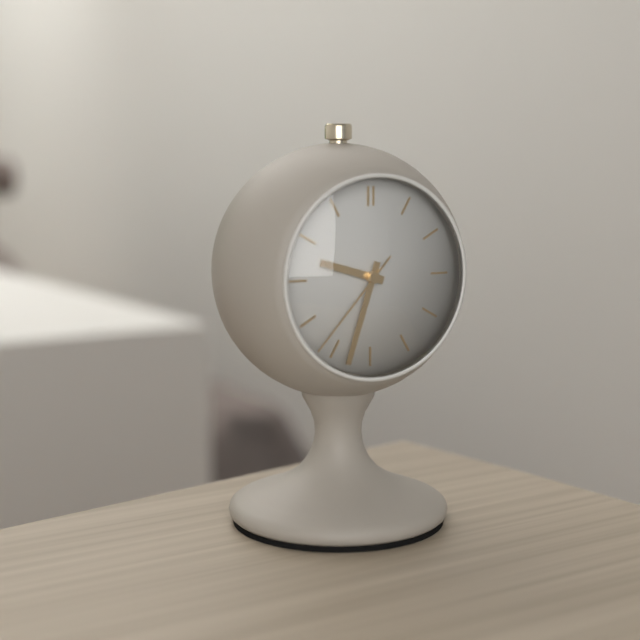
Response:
{"hour": 9, "minute": 33, "second": 37}
